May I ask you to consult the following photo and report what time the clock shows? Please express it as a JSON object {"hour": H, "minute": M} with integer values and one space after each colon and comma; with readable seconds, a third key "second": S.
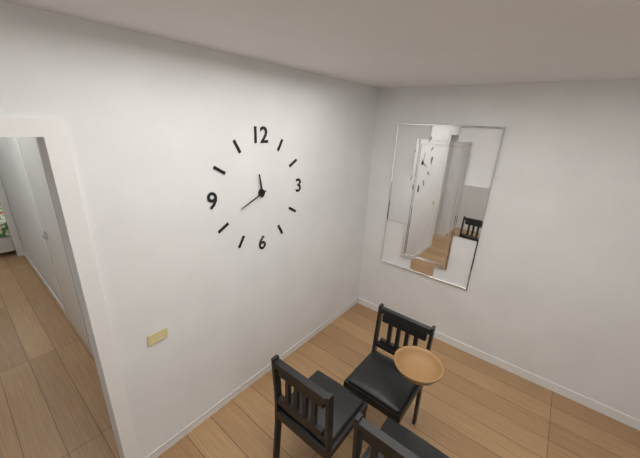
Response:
{"hour": 11, "minute": 41}
